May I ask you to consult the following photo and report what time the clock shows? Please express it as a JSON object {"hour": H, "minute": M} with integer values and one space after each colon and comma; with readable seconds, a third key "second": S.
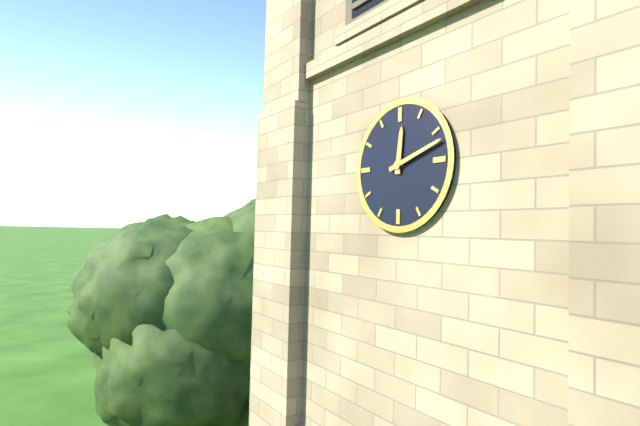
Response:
{"hour": 12, "minute": 12}
